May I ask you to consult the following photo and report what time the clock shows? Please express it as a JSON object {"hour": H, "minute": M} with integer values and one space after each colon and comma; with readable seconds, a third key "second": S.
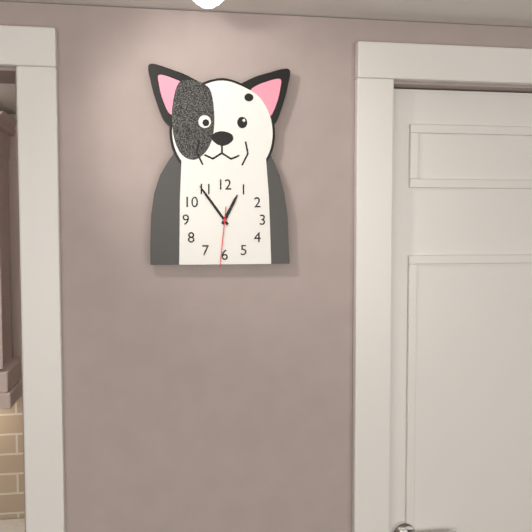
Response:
{"hour": 12, "minute": 54, "second": 31}
